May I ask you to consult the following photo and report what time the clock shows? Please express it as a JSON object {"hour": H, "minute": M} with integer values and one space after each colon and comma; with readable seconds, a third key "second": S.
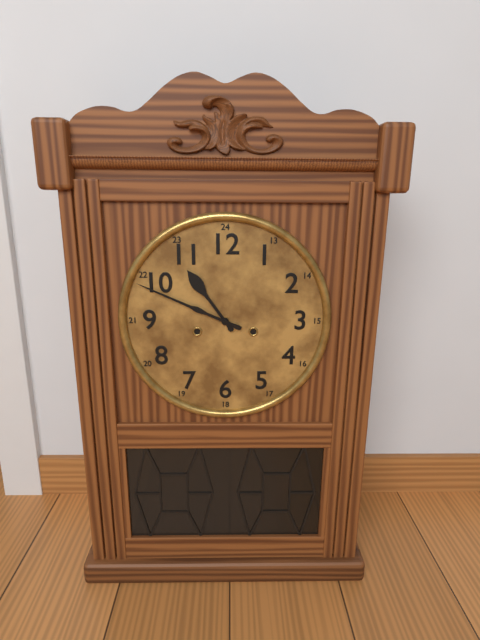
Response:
{"hour": 10, "minute": 49}
